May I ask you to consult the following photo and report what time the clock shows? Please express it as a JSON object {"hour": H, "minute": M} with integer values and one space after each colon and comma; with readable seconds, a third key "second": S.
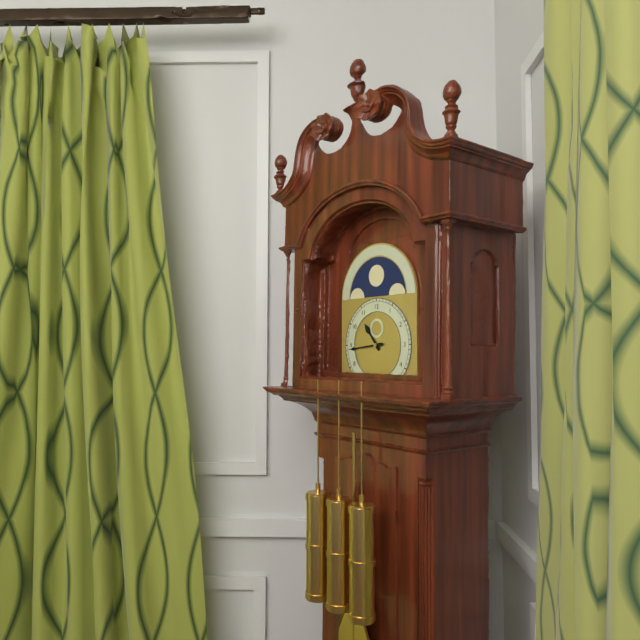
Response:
{"hour": 10, "minute": 44}
